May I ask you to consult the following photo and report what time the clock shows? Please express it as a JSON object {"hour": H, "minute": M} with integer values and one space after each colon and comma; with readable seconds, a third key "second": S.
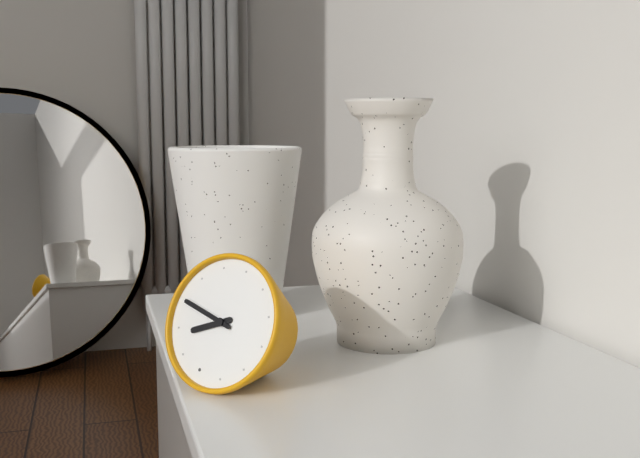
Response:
{"hour": 7, "minute": 45}
